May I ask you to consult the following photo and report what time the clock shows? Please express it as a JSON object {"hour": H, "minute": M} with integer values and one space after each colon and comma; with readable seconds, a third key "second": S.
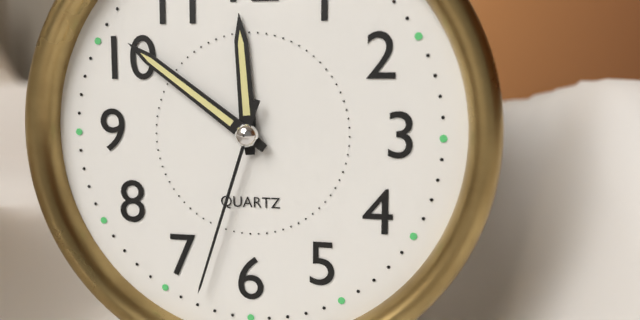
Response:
{"hour": 11, "minute": 51, "second": 33}
